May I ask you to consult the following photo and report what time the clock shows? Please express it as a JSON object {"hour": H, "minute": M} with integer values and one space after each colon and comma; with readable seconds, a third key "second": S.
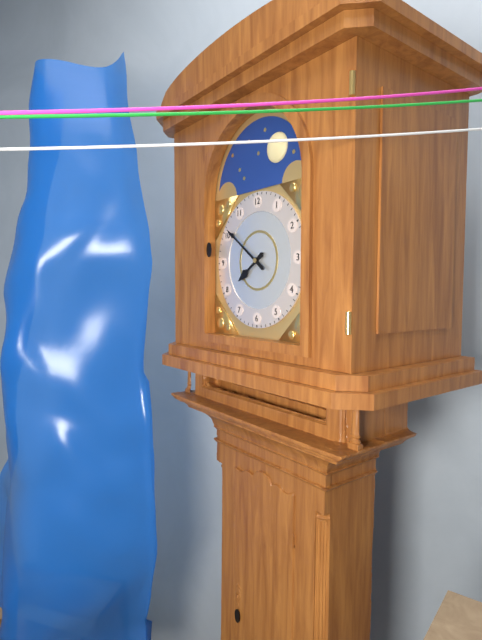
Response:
{"hour": 7, "minute": 51}
